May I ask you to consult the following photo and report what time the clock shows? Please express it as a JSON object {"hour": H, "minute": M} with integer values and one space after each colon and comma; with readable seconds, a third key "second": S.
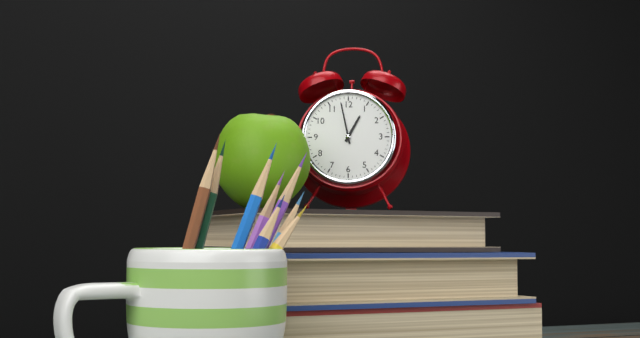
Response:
{"hour": 12, "minute": 58}
